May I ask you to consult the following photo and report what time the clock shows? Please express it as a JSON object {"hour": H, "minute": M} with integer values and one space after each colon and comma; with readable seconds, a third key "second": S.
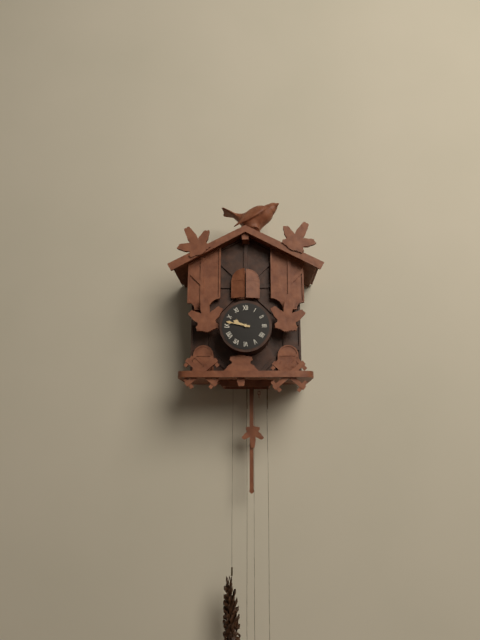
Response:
{"hour": 9, "minute": 47}
